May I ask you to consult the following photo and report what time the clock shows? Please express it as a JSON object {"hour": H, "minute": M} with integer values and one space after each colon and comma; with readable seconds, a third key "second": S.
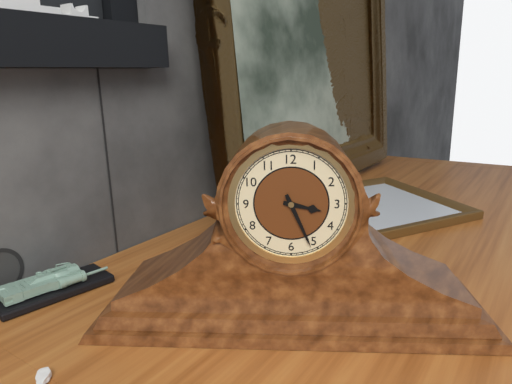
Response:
{"hour": 3, "minute": 26}
